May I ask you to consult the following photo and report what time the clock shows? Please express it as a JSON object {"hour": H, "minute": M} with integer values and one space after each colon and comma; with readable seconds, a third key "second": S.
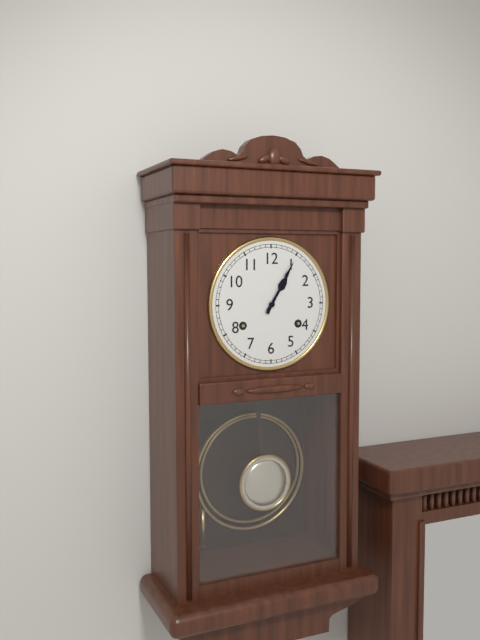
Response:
{"hour": 1, "minute": 5}
